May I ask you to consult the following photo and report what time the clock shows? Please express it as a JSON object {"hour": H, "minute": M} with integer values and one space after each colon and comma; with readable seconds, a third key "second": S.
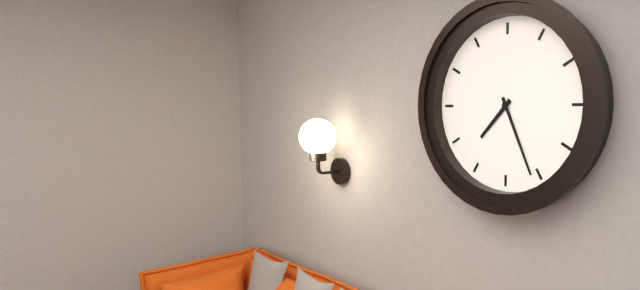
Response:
{"hour": 7, "minute": 26}
